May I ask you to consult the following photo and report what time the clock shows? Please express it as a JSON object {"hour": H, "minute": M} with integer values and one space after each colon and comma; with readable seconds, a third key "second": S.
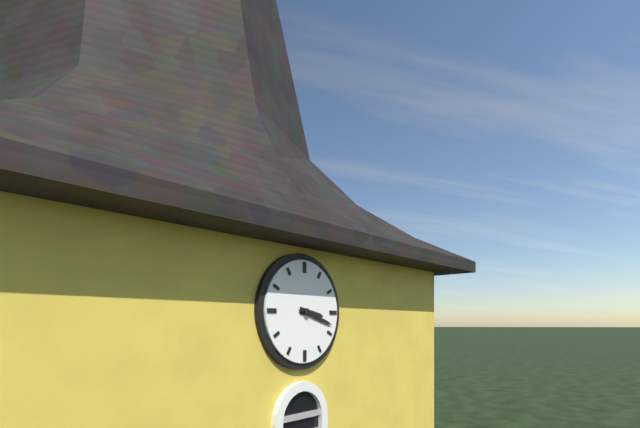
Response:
{"hour": 3, "minute": 18}
